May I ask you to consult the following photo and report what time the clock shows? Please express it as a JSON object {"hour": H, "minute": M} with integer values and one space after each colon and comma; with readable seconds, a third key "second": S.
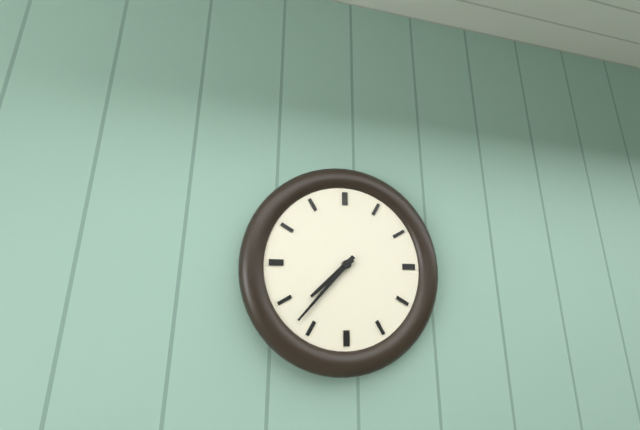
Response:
{"hour": 7, "minute": 37}
